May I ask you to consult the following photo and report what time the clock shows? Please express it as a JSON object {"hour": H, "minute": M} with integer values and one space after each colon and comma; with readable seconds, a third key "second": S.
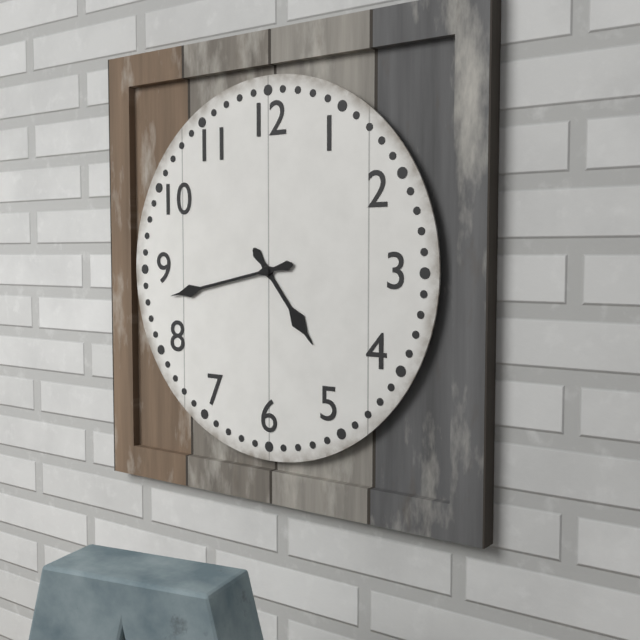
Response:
{"hour": 4, "minute": 43}
